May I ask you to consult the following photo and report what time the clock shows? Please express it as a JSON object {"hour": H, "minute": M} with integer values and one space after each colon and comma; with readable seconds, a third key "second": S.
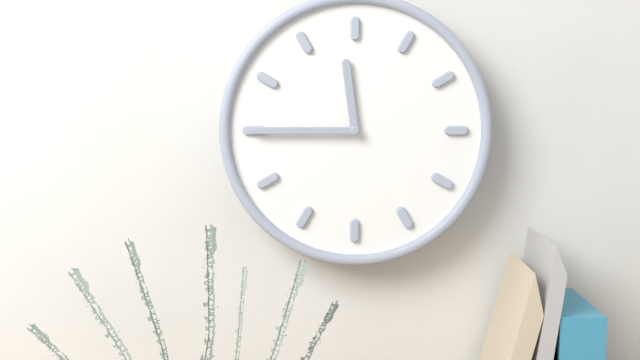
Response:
{"hour": 11, "minute": 45}
